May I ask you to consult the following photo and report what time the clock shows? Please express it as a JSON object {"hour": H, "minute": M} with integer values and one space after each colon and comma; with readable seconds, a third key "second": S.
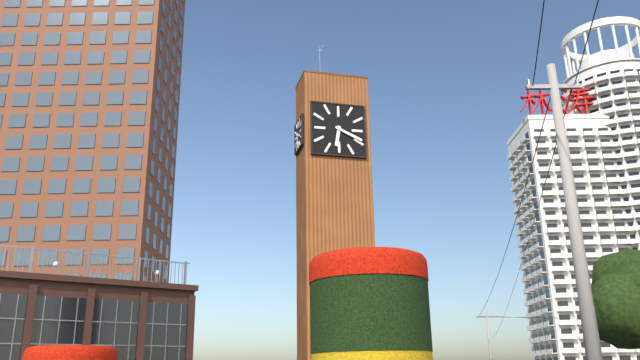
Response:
{"hour": 6, "minute": 19}
